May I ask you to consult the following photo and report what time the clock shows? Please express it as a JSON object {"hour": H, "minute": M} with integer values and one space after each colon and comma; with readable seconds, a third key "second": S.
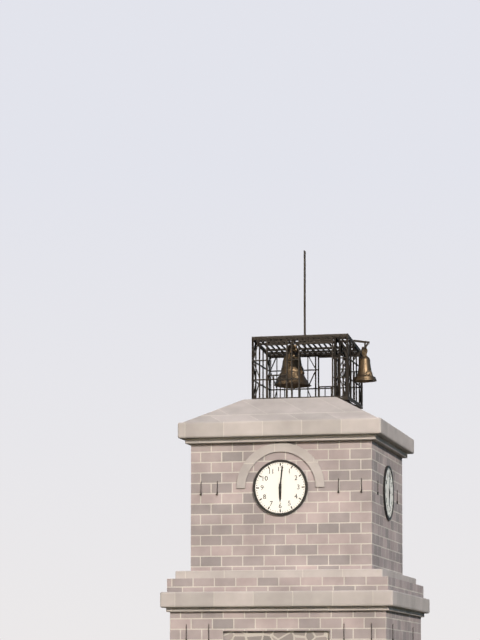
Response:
{"hour": 6, "minute": 1}
